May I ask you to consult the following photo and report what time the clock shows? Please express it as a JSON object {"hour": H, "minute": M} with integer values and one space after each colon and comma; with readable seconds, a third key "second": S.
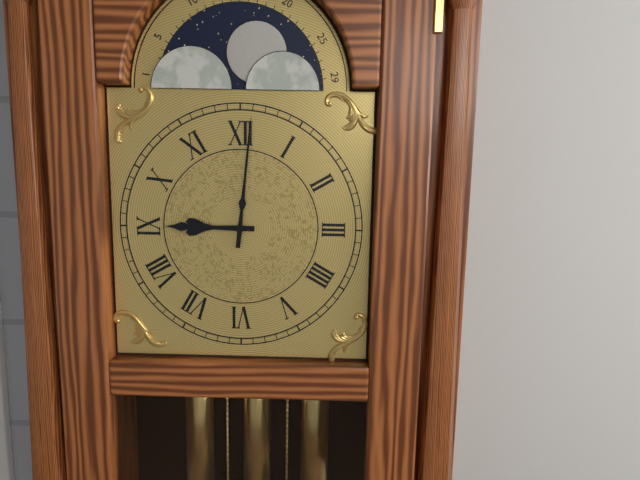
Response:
{"hour": 9, "minute": 1}
